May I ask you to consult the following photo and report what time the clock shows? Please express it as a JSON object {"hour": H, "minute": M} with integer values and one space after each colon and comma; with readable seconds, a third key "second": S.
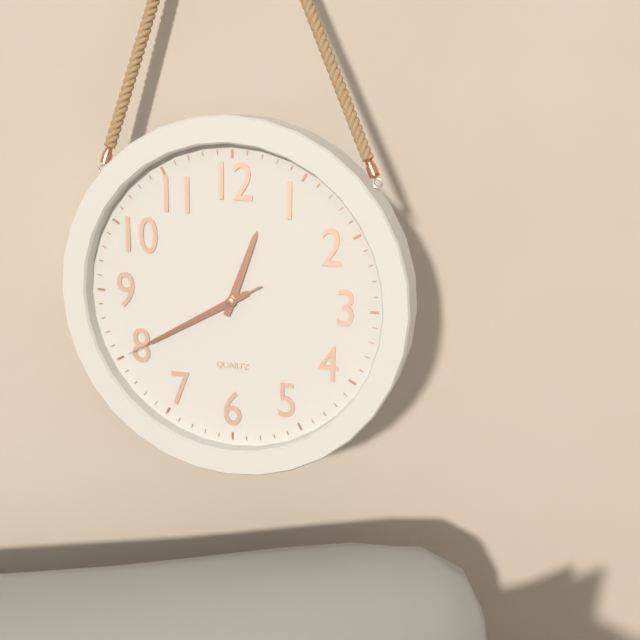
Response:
{"hour": 12, "minute": 40, "second": 40}
